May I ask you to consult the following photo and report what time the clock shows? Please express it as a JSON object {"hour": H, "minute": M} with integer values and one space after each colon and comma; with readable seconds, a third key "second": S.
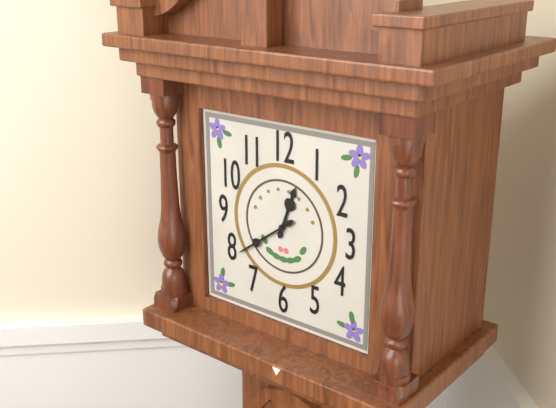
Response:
{"hour": 12, "minute": 39}
